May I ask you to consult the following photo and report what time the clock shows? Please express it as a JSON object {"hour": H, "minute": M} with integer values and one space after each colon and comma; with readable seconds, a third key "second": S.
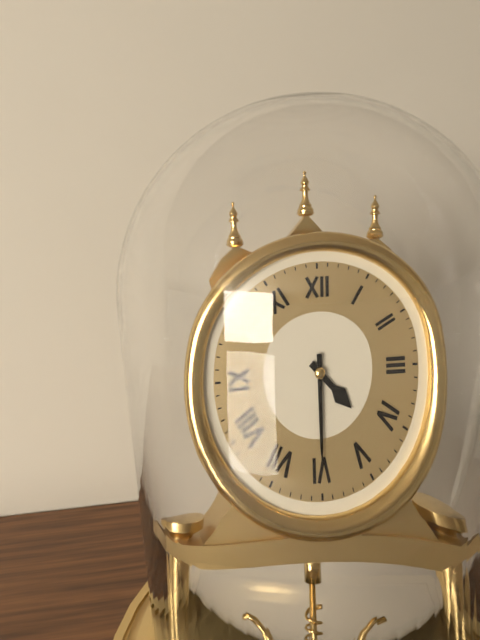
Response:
{"hour": 4, "minute": 30}
